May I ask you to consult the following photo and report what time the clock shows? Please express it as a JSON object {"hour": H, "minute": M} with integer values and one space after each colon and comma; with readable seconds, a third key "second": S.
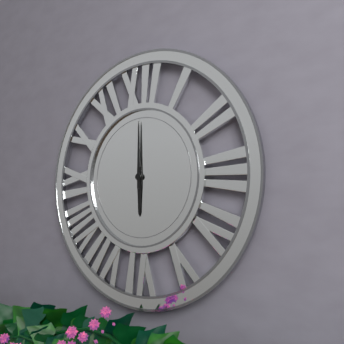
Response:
{"hour": 6, "minute": 0}
